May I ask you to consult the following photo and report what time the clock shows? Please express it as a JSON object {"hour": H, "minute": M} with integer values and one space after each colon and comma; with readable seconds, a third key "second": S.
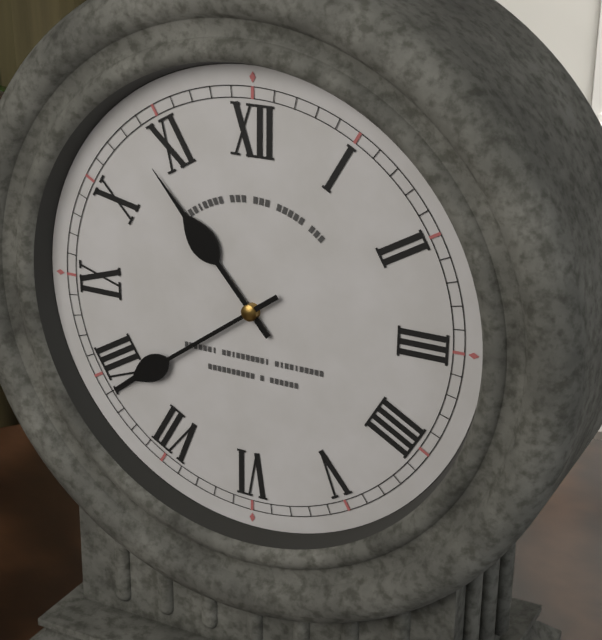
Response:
{"hour": 10, "minute": 39}
